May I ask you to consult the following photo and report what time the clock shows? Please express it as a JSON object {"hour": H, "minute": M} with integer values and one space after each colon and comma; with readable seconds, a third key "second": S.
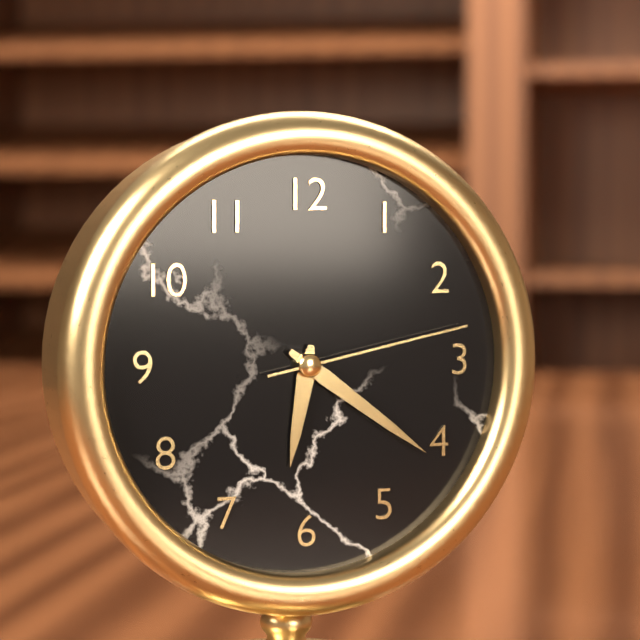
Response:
{"hour": 6, "minute": 21, "second": 13}
